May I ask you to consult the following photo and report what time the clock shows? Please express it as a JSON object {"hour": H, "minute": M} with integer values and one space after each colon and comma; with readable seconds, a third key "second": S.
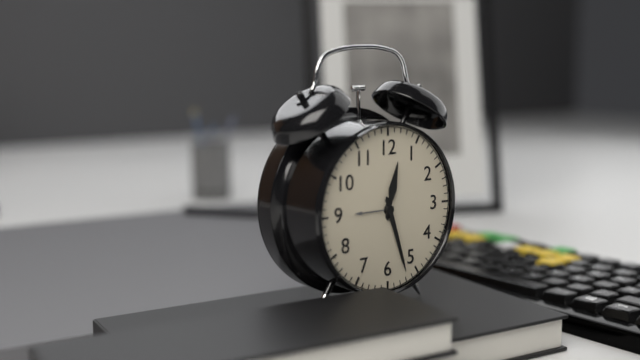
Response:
{"hour": 12, "minute": 27}
